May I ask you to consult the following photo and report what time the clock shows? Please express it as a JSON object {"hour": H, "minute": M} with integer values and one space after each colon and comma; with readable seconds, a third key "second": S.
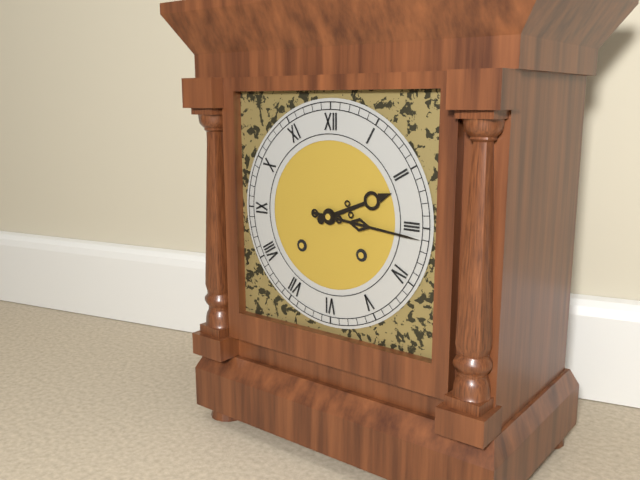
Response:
{"hour": 2, "minute": 16}
